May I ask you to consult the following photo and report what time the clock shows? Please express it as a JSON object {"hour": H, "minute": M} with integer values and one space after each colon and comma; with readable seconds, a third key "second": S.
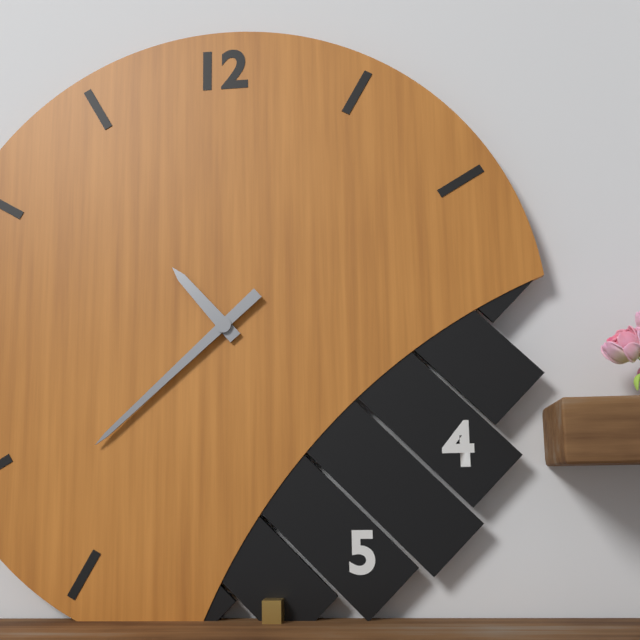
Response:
{"hour": 10, "minute": 38}
